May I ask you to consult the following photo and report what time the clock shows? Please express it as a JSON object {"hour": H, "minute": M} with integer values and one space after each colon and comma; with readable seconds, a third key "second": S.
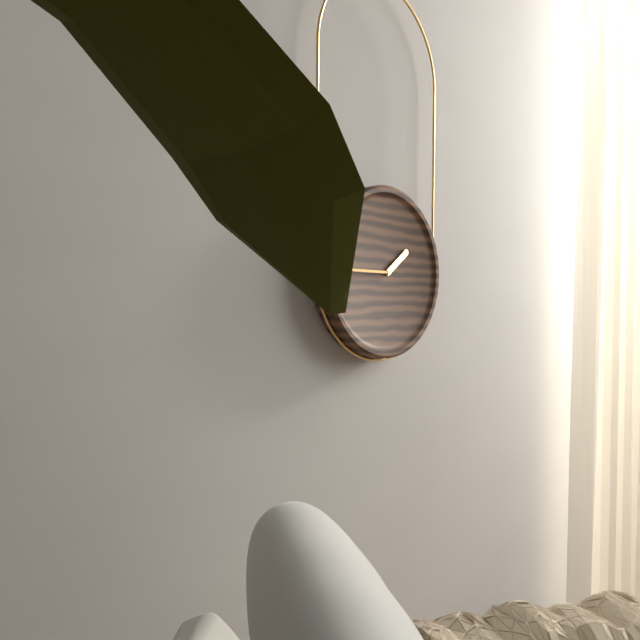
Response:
{"hour": 1, "minute": 45}
